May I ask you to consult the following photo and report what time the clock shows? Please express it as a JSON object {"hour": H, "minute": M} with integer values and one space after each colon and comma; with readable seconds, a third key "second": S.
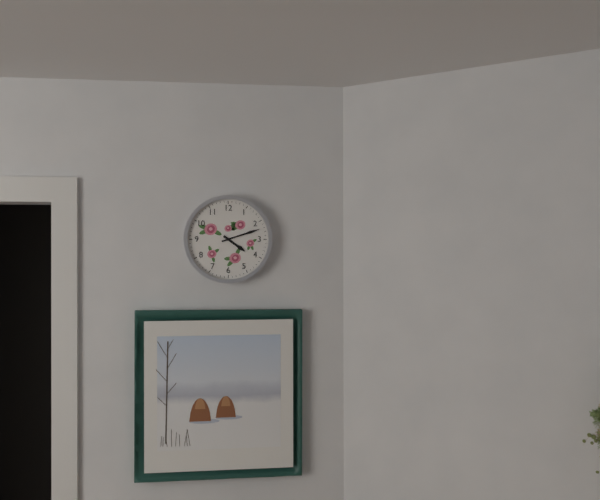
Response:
{"hour": 4, "minute": 12}
